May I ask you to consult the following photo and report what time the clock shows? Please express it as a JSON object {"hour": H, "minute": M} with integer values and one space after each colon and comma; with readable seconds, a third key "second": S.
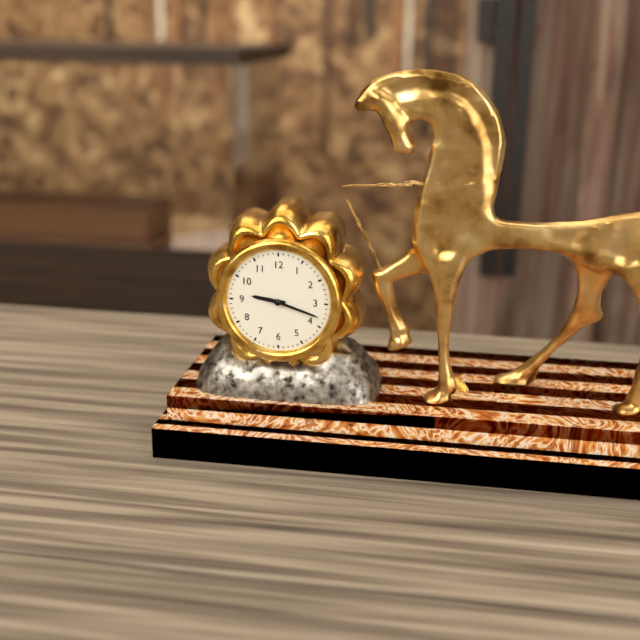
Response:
{"hour": 9, "minute": 18}
